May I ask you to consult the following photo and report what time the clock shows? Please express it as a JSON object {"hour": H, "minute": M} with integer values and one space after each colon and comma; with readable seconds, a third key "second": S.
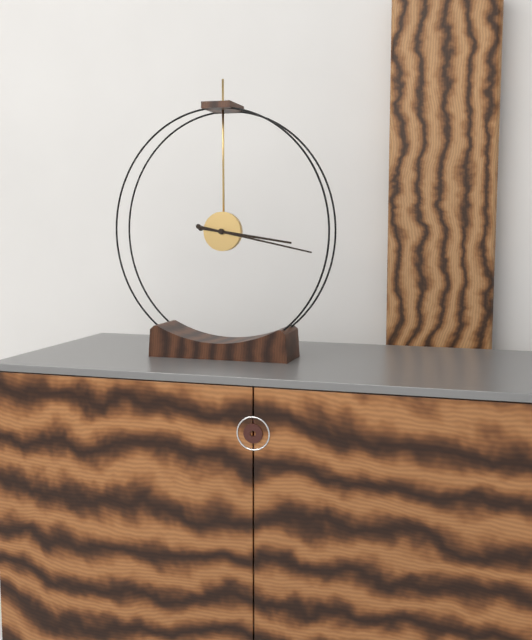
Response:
{"hour": 3, "minute": 17}
